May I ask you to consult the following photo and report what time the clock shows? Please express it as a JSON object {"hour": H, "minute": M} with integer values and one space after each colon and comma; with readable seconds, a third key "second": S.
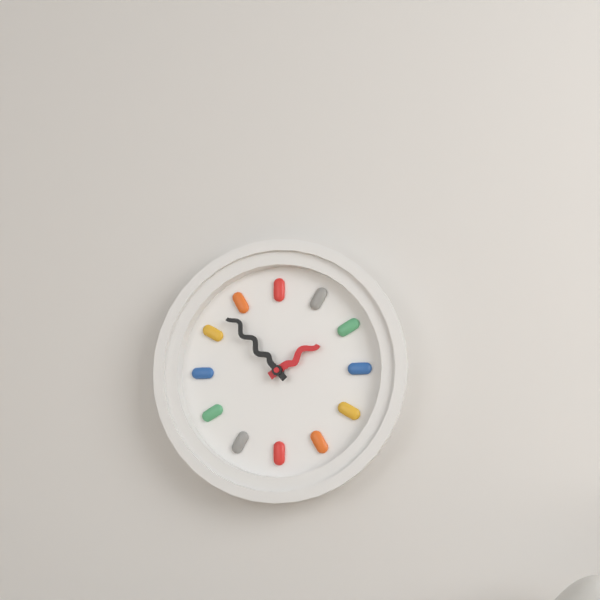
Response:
{"hour": 1, "minute": 53}
